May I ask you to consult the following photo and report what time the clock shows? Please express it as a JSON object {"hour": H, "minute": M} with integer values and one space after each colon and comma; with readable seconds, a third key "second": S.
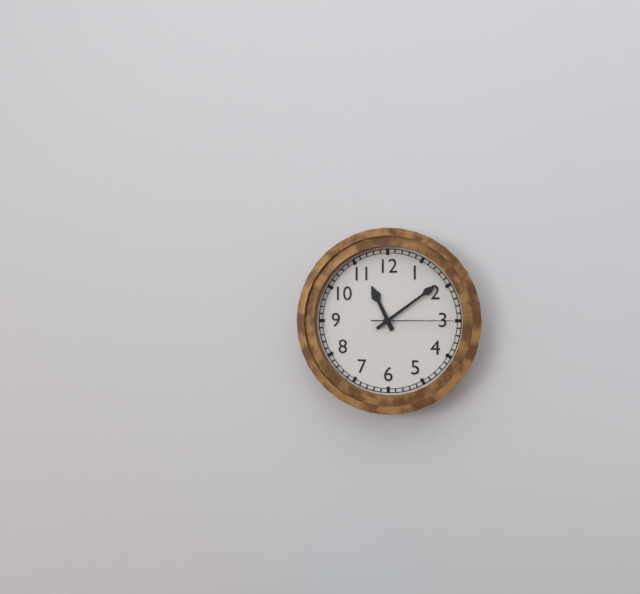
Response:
{"hour": 11, "minute": 9, "second": 15}
